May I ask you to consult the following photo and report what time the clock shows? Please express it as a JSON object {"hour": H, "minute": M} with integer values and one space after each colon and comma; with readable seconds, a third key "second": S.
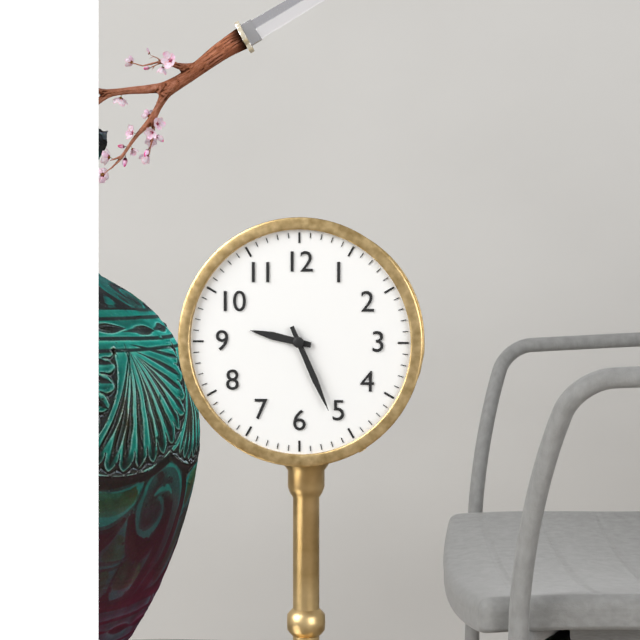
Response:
{"hour": 9, "minute": 26}
